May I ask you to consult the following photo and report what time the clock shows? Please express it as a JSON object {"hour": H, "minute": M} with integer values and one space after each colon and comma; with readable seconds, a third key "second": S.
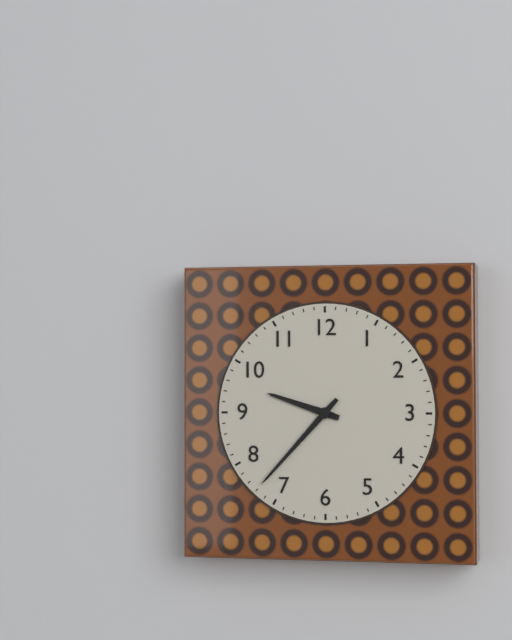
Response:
{"hour": 9, "minute": 37}
